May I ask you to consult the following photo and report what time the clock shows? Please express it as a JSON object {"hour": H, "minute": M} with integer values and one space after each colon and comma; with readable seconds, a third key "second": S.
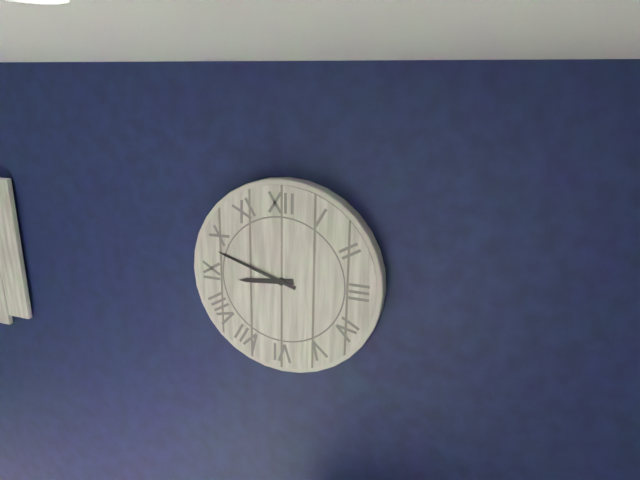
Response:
{"hour": 8, "minute": 48}
